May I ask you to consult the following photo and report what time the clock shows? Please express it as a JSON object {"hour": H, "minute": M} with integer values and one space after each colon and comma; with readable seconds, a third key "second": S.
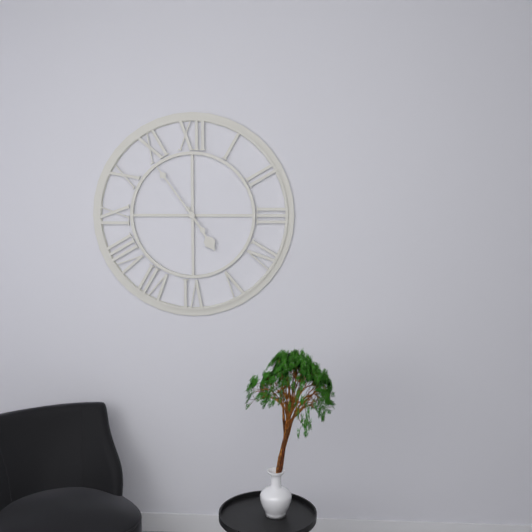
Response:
{"hour": 4, "minute": 54}
